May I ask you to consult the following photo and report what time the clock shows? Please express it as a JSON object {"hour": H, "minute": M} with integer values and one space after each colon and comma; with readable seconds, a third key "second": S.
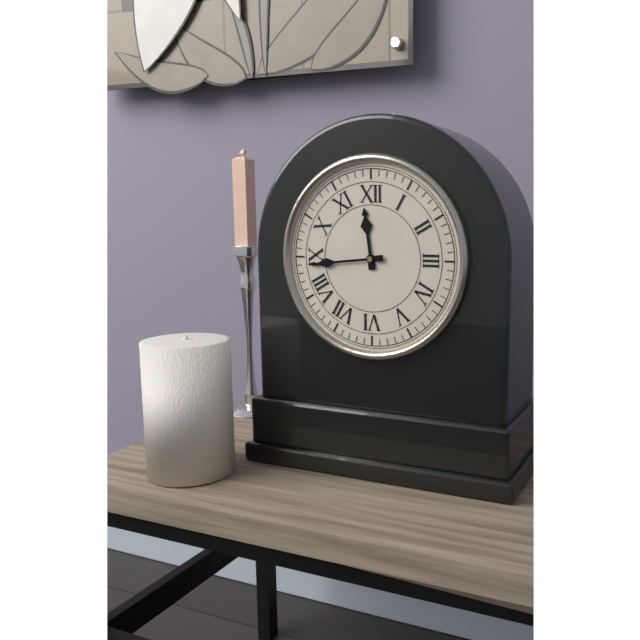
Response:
{"hour": 11, "minute": 44}
